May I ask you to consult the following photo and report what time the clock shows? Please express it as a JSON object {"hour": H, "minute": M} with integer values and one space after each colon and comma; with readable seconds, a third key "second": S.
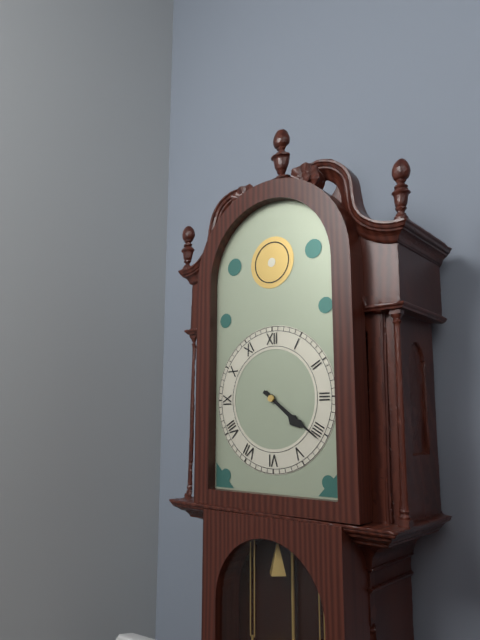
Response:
{"hour": 4, "minute": 21}
